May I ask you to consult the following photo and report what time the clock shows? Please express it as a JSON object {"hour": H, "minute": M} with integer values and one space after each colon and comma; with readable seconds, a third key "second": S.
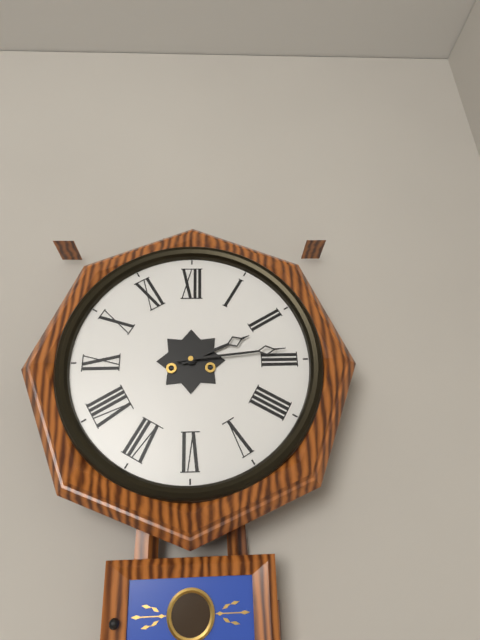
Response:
{"hour": 2, "minute": 14}
